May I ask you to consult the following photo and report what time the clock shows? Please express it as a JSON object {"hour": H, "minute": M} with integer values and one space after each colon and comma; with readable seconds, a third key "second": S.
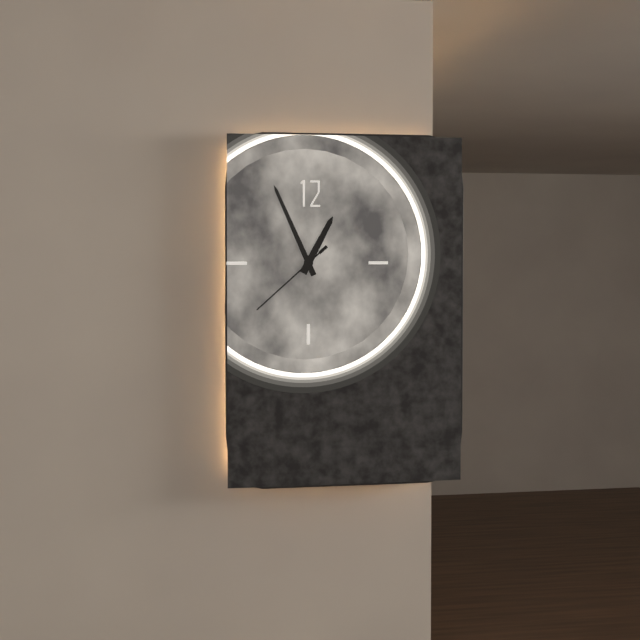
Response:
{"hour": 12, "minute": 56, "second": 38}
